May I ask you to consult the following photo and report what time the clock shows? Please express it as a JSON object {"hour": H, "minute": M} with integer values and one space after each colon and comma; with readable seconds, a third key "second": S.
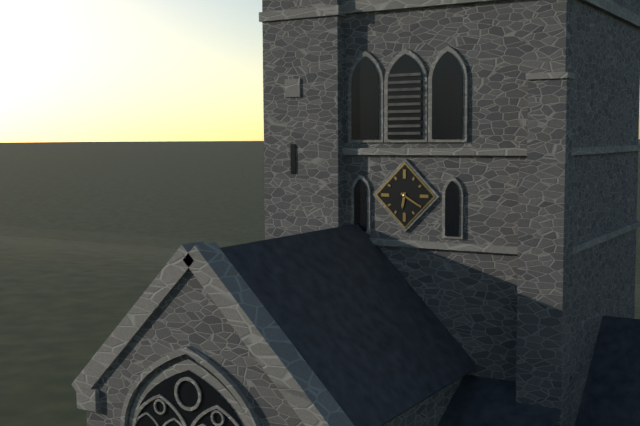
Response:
{"hour": 6, "minute": 20}
